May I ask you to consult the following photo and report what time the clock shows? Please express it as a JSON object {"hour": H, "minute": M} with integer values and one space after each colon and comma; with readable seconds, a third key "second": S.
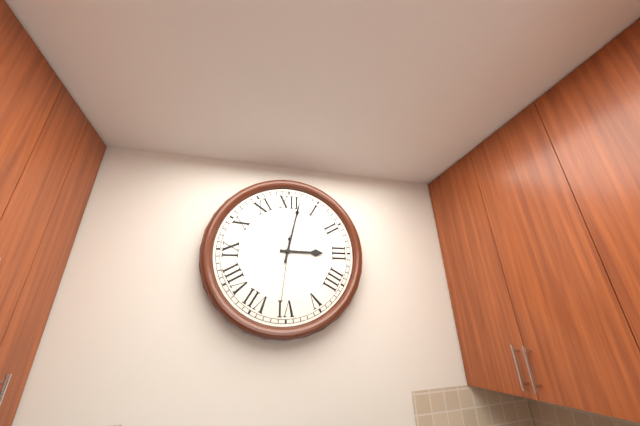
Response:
{"hour": 3, "minute": 2, "second": 31}
